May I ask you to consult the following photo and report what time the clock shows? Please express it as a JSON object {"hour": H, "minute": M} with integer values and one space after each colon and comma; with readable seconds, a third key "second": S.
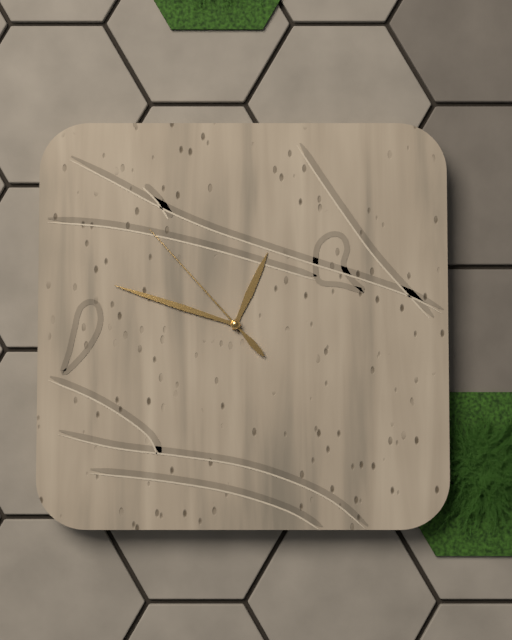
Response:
{"hour": 12, "minute": 48, "second": 53}
